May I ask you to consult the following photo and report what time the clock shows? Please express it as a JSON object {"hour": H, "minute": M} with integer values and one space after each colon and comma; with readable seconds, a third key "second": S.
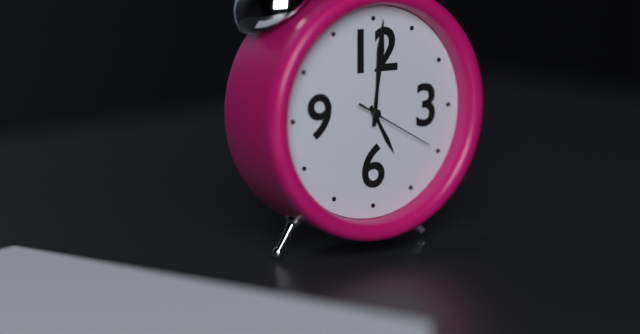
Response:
{"hour": 5, "minute": 1, "second": 20}
